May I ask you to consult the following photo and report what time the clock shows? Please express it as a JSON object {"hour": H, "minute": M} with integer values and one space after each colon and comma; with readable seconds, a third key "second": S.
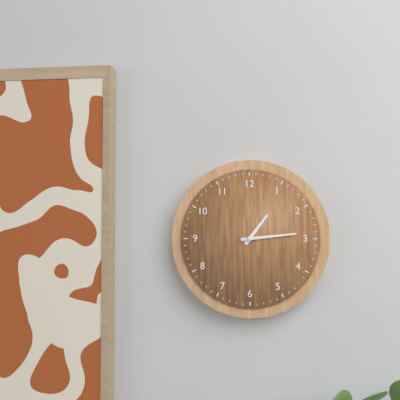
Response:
{"hour": 1, "minute": 14}
